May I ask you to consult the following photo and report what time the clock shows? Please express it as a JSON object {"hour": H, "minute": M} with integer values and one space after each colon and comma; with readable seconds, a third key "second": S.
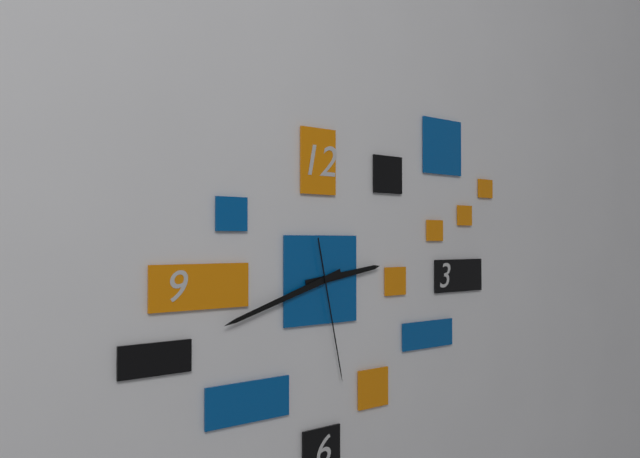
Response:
{"hour": 2, "minute": 42, "second": 28}
